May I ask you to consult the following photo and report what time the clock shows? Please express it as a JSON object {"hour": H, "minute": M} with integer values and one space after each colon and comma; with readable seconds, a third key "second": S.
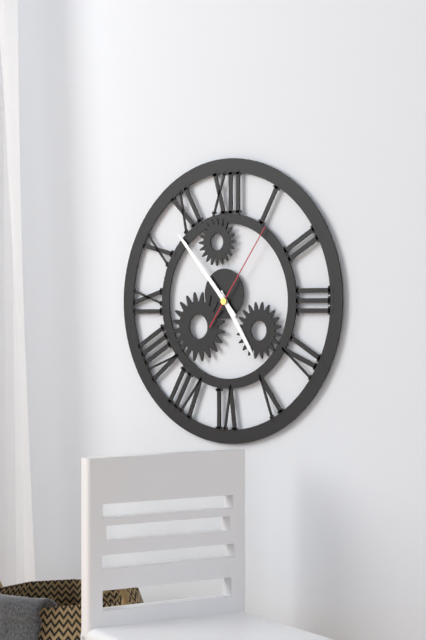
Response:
{"hour": 4, "minute": 53, "second": 6}
